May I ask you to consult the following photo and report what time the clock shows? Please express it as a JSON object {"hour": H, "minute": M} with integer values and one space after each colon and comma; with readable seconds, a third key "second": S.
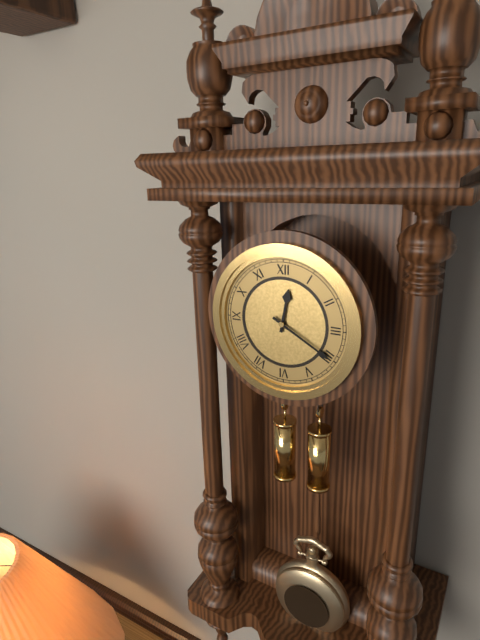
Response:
{"hour": 12, "minute": 20}
